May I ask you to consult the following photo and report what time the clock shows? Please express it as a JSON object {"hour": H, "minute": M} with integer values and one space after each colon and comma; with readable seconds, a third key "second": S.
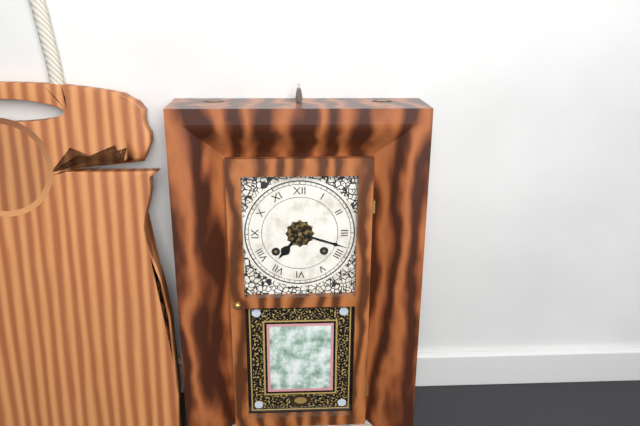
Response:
{"hour": 7, "minute": 18}
